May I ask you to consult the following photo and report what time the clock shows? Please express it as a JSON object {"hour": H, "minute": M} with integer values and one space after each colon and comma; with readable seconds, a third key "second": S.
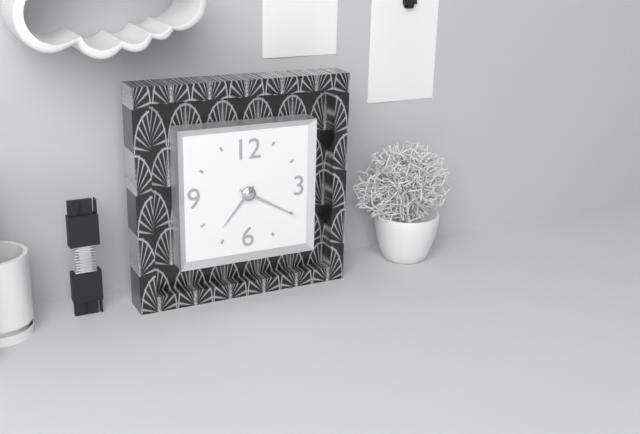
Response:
{"hour": 7, "minute": 20}
